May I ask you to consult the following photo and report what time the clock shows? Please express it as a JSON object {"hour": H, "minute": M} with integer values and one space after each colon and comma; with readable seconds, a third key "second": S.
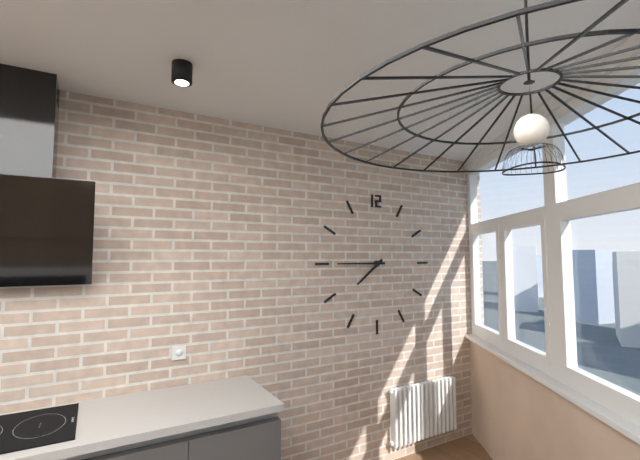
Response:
{"hour": 7, "minute": 45}
